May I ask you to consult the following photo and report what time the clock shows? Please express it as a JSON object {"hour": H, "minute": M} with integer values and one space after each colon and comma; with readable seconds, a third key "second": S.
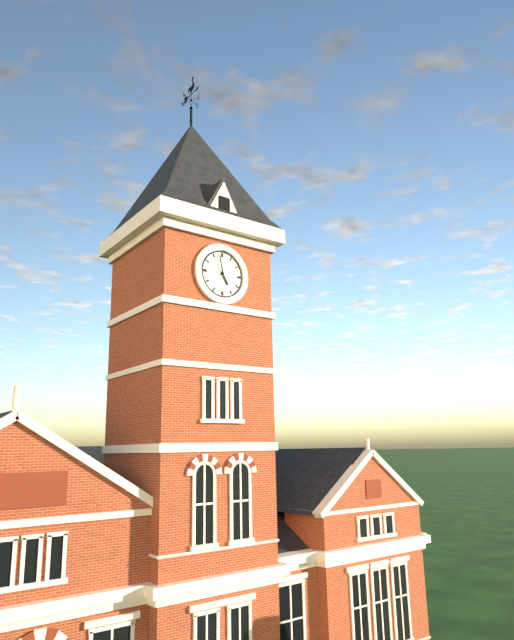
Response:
{"hour": 4, "minute": 58}
